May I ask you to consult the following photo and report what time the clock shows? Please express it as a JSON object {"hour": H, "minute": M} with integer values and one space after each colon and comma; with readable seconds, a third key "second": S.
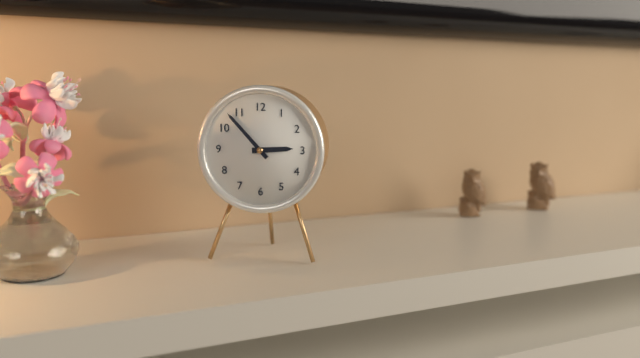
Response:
{"hour": 2, "minute": 53}
